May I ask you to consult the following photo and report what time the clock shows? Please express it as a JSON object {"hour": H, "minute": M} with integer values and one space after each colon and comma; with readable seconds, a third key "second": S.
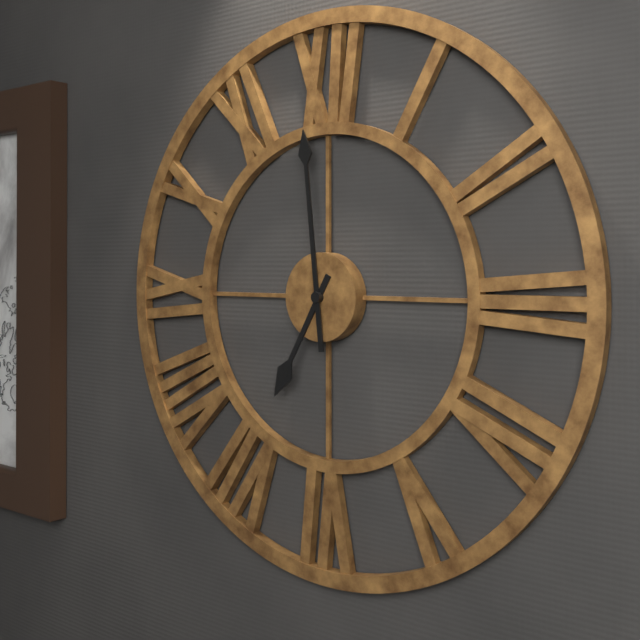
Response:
{"hour": 6, "minute": 59}
